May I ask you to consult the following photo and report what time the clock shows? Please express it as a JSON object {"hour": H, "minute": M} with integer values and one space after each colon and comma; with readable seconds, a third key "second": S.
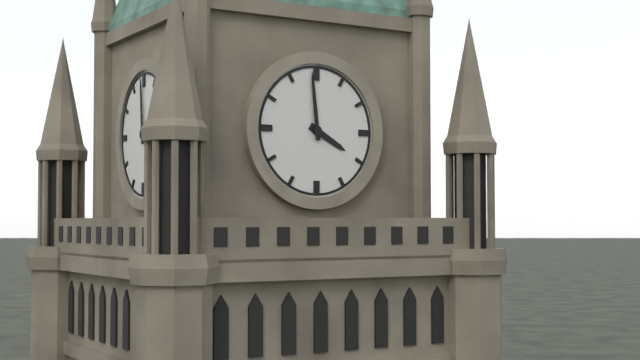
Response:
{"hour": 3, "minute": 59}
